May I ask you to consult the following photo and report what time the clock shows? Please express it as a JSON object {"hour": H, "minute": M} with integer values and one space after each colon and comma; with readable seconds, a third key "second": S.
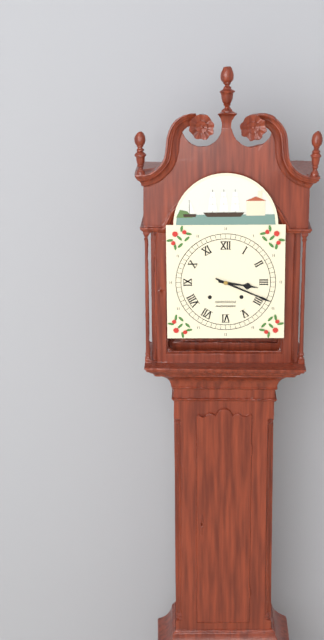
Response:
{"hour": 3, "minute": 19}
